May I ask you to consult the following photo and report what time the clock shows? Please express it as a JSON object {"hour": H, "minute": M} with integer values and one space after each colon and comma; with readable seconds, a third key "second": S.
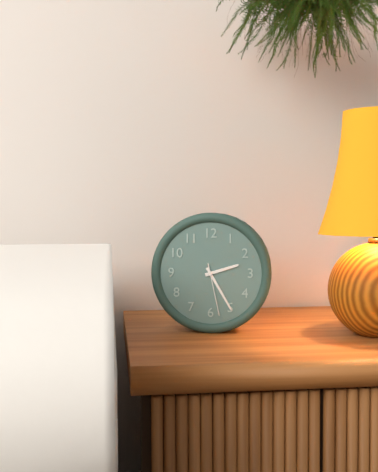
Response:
{"hour": 2, "minute": 25, "second": 28}
